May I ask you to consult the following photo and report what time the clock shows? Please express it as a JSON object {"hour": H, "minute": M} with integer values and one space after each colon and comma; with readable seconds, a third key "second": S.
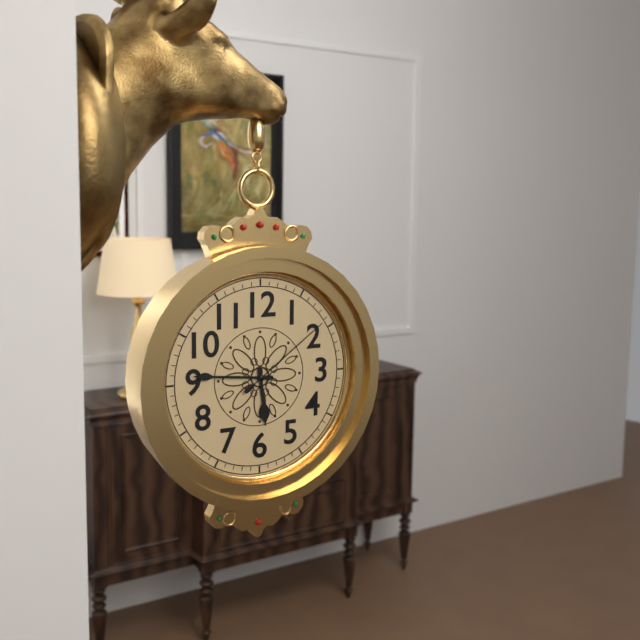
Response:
{"hour": 5, "minute": 46, "second": 9}
